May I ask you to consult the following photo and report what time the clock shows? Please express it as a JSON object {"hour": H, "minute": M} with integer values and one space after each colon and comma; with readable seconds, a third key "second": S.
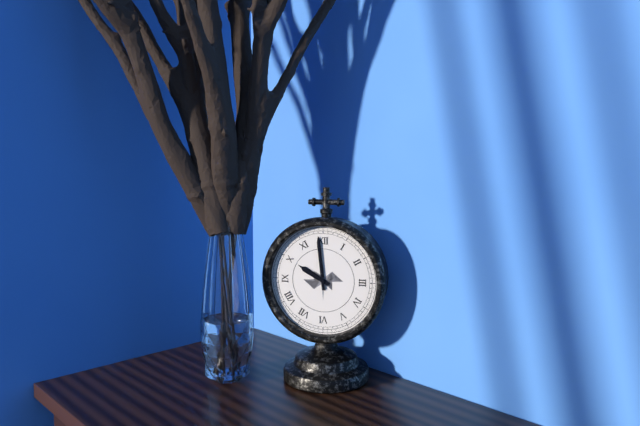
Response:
{"hour": 9, "minute": 59}
